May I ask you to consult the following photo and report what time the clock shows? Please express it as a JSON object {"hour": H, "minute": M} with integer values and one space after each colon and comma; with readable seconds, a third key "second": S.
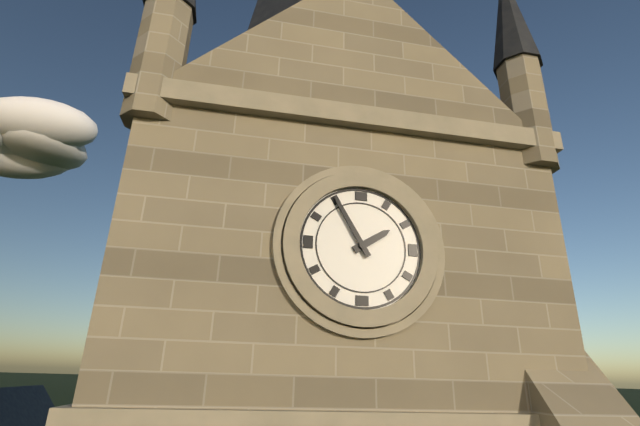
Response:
{"hour": 1, "minute": 55}
